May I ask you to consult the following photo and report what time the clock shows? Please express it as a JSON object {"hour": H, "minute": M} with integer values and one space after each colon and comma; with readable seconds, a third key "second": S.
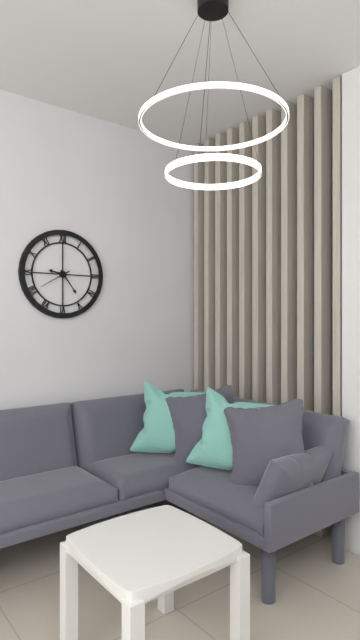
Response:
{"hour": 9, "minute": 24}
